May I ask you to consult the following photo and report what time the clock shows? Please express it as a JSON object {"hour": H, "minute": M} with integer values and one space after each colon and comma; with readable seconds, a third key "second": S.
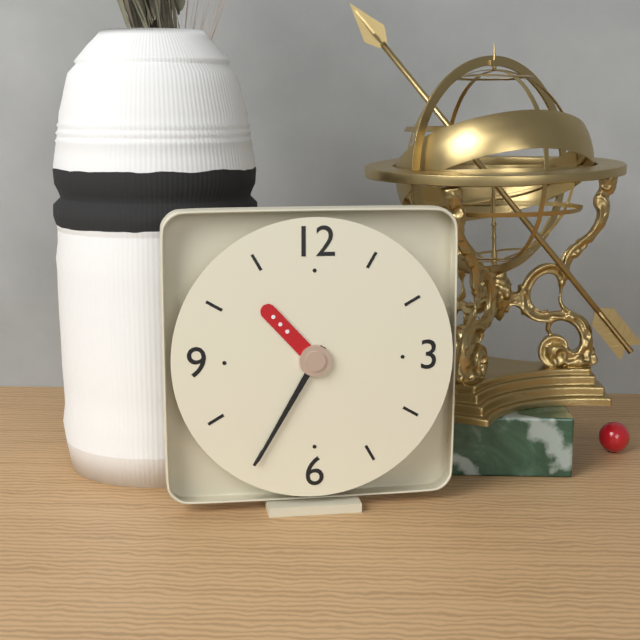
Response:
{"hour": 10, "minute": 35}
